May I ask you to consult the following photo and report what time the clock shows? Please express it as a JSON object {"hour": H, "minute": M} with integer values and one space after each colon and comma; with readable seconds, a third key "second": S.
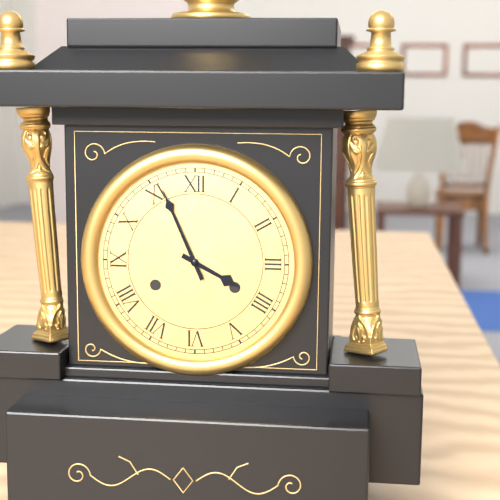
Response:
{"hour": 3, "minute": 56}
